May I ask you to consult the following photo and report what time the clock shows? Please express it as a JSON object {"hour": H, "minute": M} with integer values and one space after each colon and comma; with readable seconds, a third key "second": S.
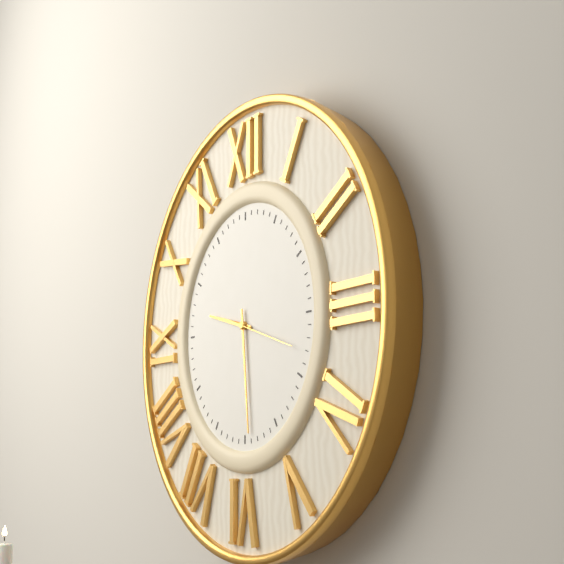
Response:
{"hour": 9, "minute": 29, "second": 18}
